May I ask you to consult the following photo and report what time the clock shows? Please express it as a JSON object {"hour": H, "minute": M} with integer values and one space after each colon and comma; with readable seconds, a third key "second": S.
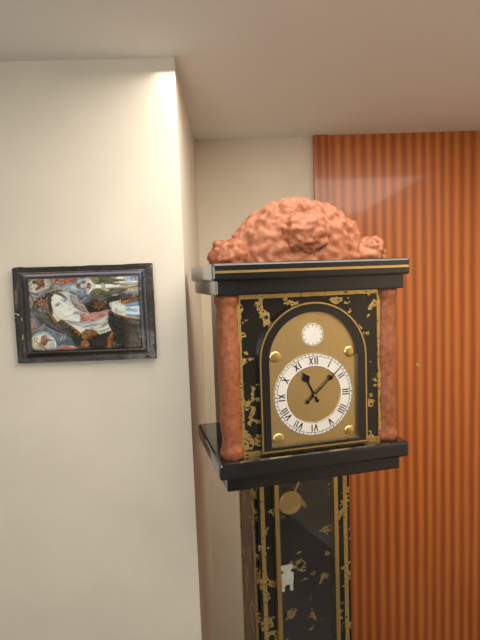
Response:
{"hour": 11, "minute": 8}
